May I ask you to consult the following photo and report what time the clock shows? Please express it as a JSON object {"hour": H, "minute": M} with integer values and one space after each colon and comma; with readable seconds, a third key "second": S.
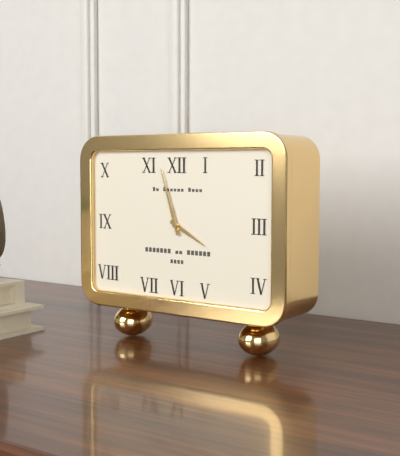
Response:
{"hour": 3, "minute": 57}
